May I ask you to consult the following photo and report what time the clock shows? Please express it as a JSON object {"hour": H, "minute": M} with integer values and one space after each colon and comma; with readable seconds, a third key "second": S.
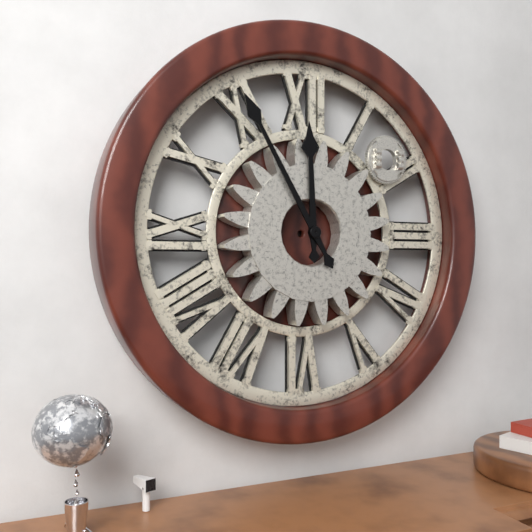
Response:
{"hour": 11, "minute": 55}
